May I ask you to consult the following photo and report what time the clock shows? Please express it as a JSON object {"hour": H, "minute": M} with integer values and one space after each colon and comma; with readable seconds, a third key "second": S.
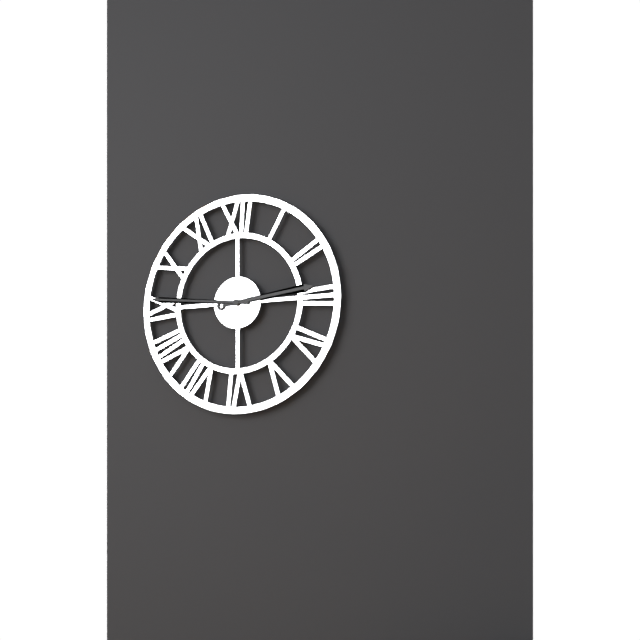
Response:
{"hour": 2, "minute": 46}
